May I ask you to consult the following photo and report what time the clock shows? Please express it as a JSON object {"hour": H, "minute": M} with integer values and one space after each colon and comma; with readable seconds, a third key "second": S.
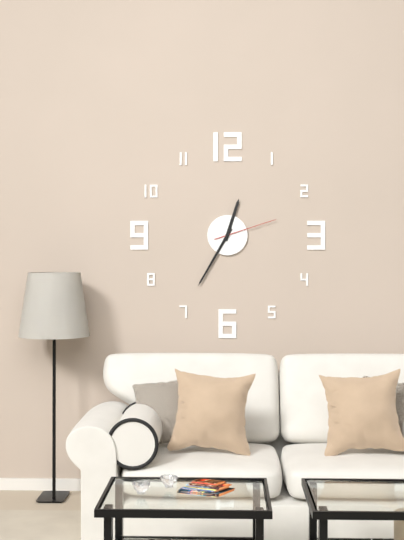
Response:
{"hour": 12, "minute": 35, "second": 12}
